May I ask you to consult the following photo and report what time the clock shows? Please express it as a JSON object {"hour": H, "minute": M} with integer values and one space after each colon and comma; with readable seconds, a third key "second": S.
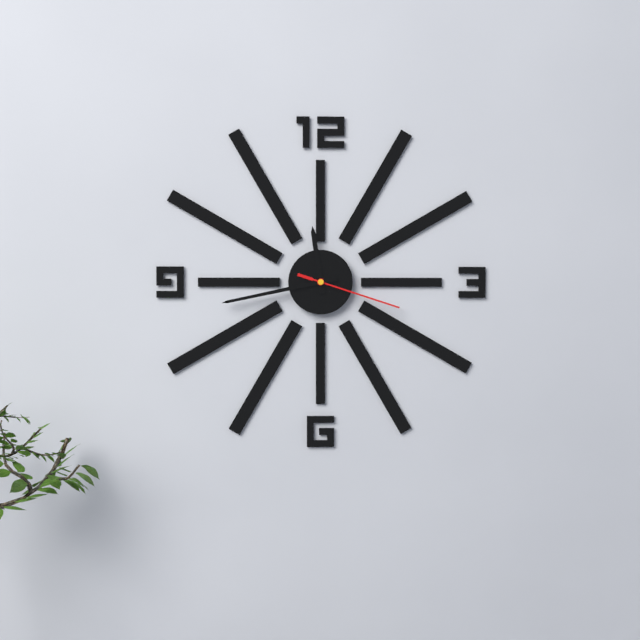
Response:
{"hour": 11, "minute": 43, "second": 18}
